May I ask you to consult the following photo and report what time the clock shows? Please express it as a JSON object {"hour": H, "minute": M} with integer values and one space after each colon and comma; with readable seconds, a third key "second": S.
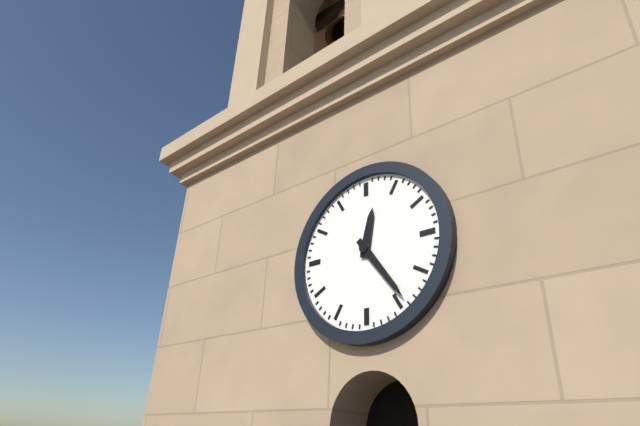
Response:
{"hour": 12, "minute": 24}
